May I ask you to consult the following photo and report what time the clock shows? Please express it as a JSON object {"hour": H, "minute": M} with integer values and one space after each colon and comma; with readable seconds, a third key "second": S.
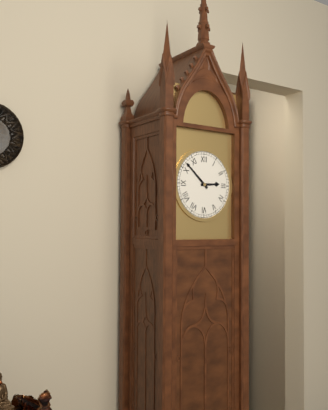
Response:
{"hour": 2, "minute": 52}
